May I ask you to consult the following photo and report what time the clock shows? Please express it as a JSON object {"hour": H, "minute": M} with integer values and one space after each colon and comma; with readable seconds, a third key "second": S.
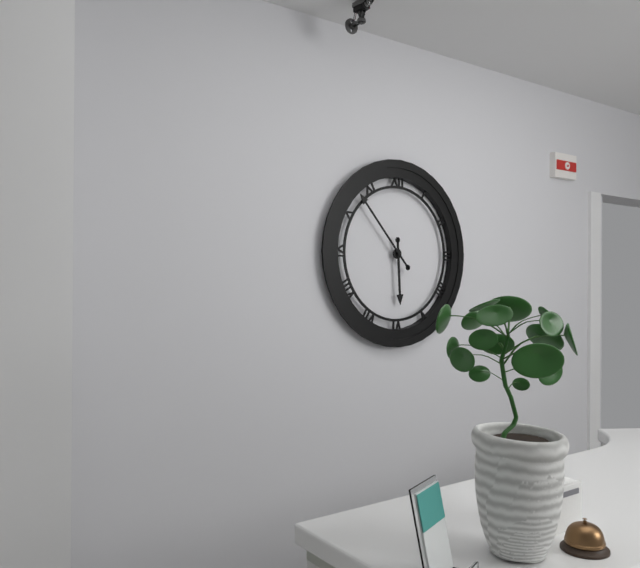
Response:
{"hour": 5, "minute": 53}
